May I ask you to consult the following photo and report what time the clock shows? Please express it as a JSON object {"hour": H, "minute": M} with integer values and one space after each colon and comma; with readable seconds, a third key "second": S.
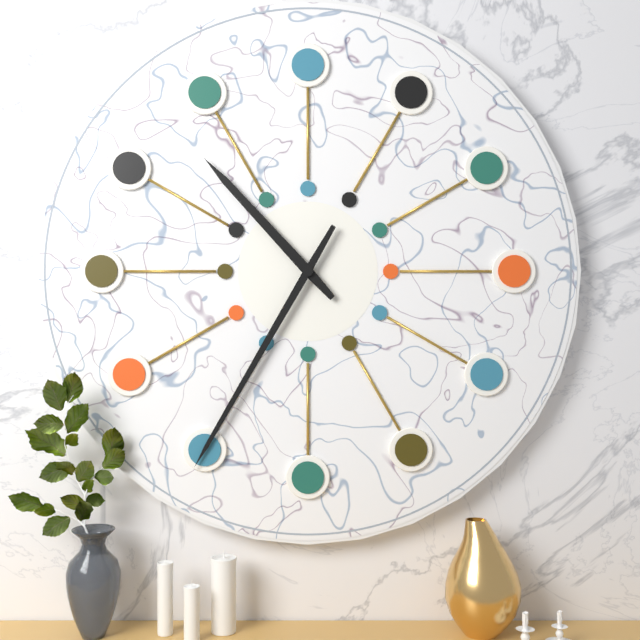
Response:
{"hour": 10, "minute": 35}
